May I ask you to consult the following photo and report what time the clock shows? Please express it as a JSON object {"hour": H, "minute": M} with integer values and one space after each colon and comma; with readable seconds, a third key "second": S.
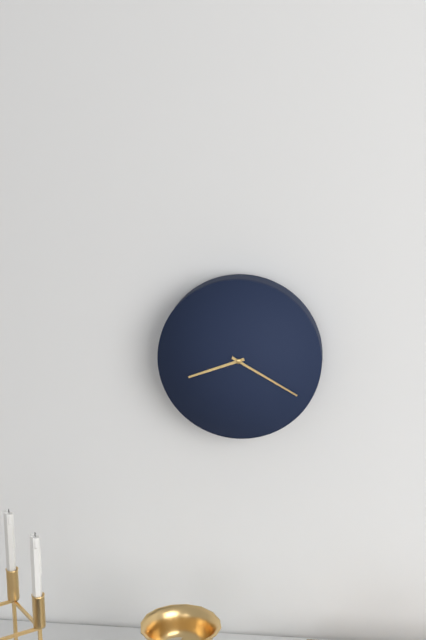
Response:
{"hour": 8, "minute": 20}
